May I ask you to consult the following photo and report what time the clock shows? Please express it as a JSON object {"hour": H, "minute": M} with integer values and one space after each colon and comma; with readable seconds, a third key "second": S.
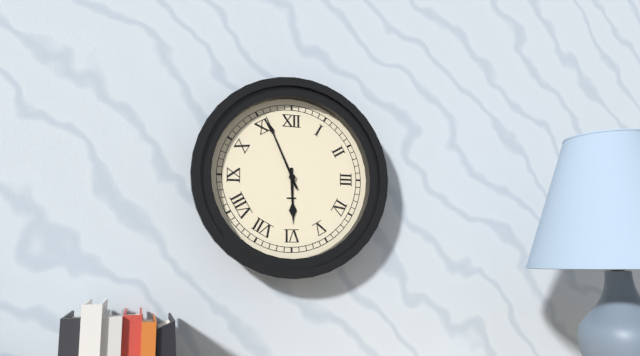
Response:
{"hour": 5, "minute": 56}
